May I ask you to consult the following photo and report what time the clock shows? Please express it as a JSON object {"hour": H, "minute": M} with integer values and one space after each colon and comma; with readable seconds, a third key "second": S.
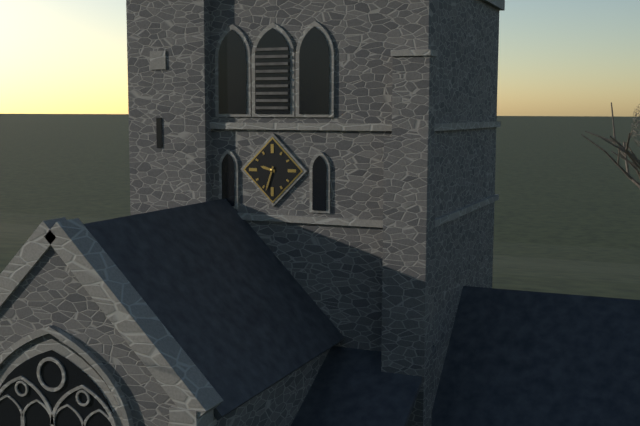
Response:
{"hour": 9, "minute": 33}
